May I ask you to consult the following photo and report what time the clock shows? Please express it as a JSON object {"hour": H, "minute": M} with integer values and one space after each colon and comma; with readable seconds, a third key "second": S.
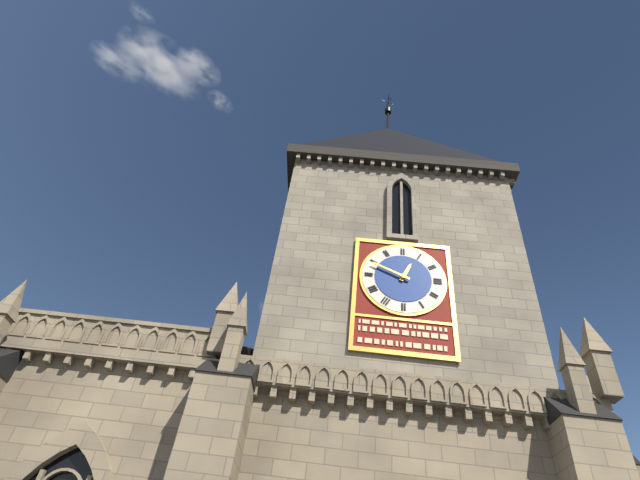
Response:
{"hour": 12, "minute": 49}
